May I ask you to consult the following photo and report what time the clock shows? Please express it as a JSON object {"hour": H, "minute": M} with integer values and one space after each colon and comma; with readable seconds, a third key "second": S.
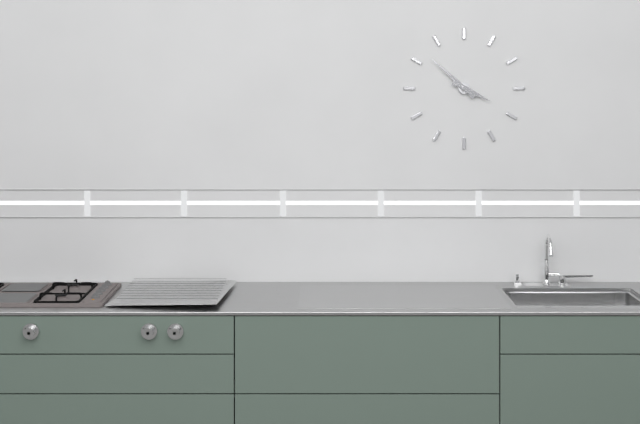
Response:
{"hour": 3, "minute": 52}
